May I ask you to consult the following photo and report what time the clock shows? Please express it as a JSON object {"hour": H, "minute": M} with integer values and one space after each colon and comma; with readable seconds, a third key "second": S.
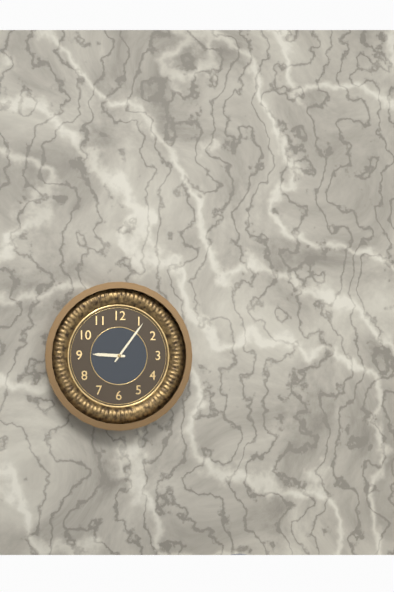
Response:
{"hour": 9, "minute": 6}
